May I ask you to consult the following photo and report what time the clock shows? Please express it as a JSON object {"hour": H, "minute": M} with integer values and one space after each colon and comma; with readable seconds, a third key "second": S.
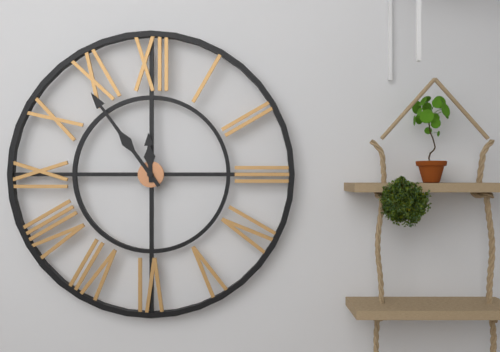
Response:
{"hour": 11, "minute": 54}
